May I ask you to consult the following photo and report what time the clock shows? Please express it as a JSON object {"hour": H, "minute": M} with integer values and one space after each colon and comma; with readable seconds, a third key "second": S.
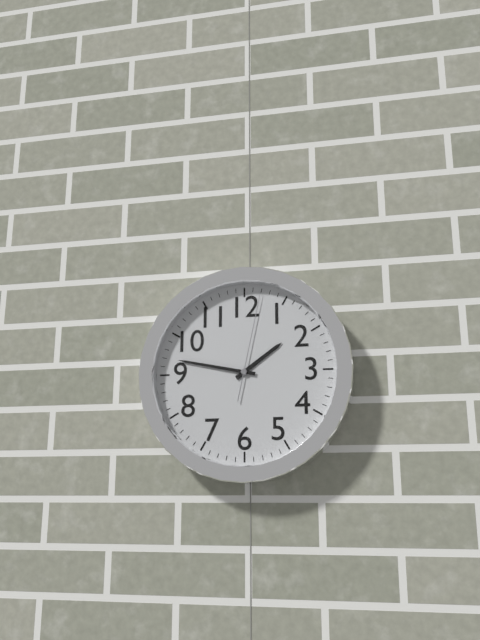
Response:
{"hour": 1, "minute": 47, "second": 2}
